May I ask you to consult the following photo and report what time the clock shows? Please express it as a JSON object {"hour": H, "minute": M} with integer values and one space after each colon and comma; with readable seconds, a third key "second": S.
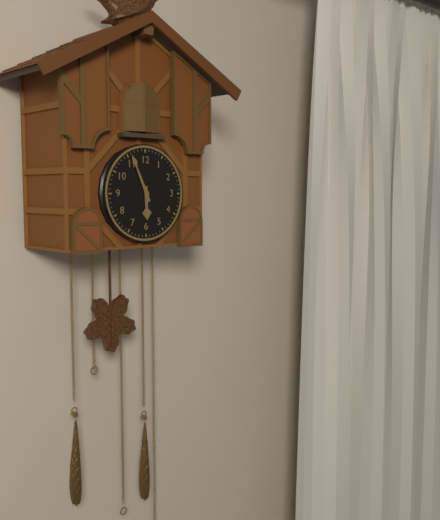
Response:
{"hour": 5, "minute": 56}
